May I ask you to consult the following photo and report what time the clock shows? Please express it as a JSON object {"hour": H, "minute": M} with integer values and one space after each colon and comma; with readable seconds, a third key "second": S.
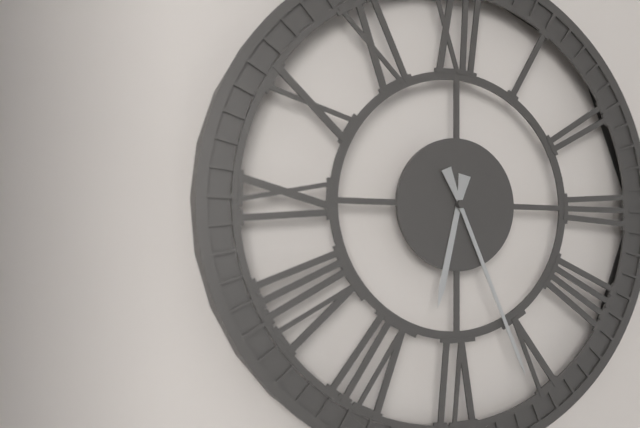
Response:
{"hour": 6, "minute": 26}
